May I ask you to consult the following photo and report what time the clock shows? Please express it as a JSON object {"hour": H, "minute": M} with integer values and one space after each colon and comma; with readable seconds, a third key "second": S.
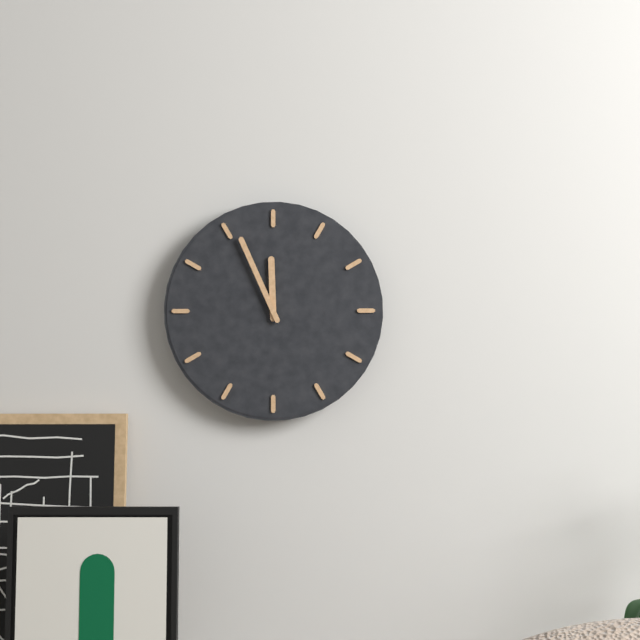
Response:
{"hour": 11, "minute": 56}
